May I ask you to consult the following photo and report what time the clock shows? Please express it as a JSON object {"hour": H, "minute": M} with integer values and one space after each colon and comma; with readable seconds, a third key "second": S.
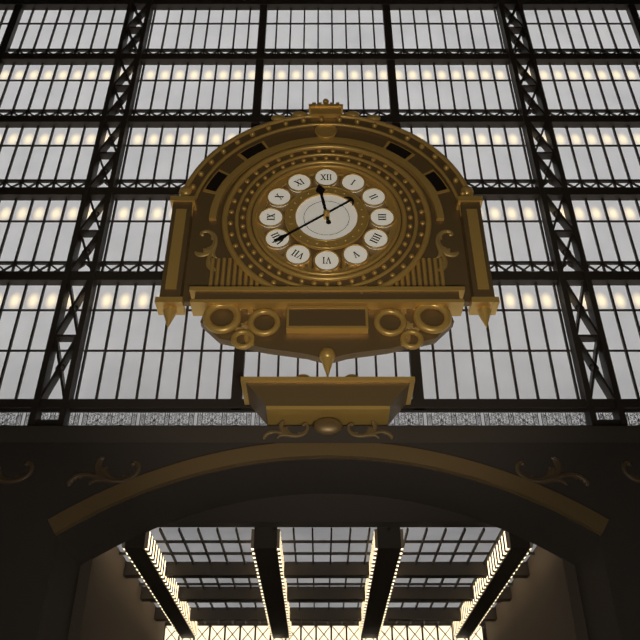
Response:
{"hour": 11, "minute": 39}
